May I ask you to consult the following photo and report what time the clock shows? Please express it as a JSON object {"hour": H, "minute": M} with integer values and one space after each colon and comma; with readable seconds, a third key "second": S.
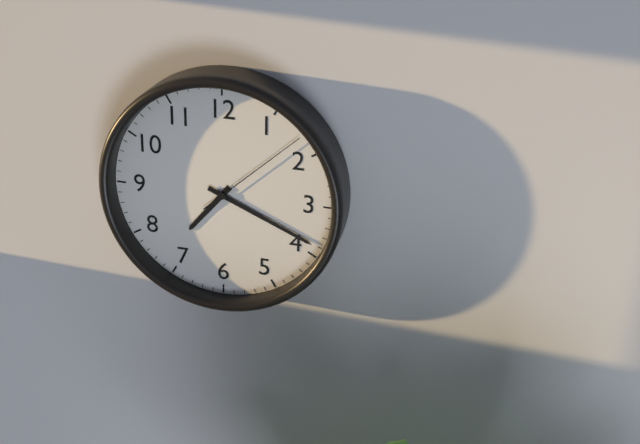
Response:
{"hour": 7, "minute": 19, "second": 8}
